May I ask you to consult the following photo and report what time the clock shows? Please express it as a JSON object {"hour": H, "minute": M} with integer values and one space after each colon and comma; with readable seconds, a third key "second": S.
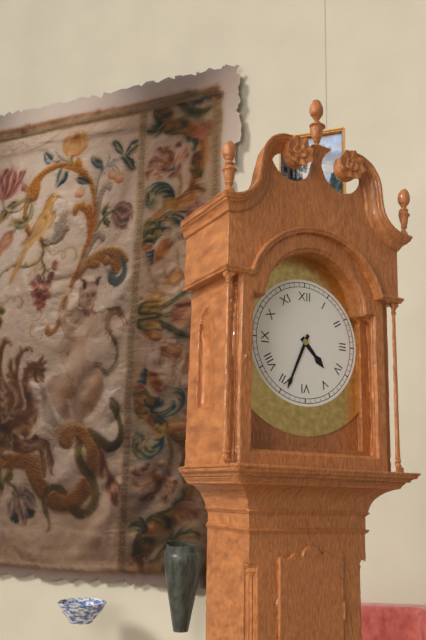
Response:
{"hour": 4, "minute": 34}
